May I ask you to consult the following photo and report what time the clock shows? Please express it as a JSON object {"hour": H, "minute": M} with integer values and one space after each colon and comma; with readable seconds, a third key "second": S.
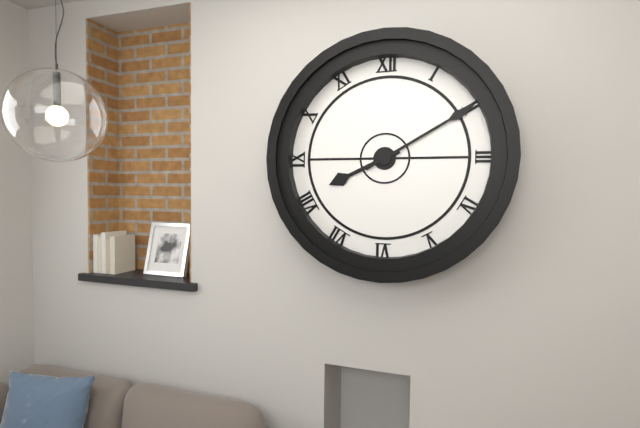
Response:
{"hour": 8, "minute": 10}
